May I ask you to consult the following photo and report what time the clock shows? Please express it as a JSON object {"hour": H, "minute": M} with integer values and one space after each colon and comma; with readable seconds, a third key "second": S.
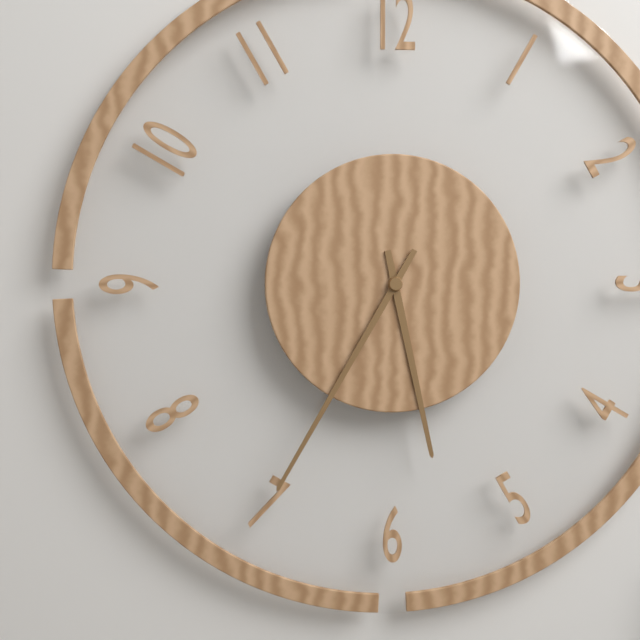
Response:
{"hour": 5, "minute": 35}
